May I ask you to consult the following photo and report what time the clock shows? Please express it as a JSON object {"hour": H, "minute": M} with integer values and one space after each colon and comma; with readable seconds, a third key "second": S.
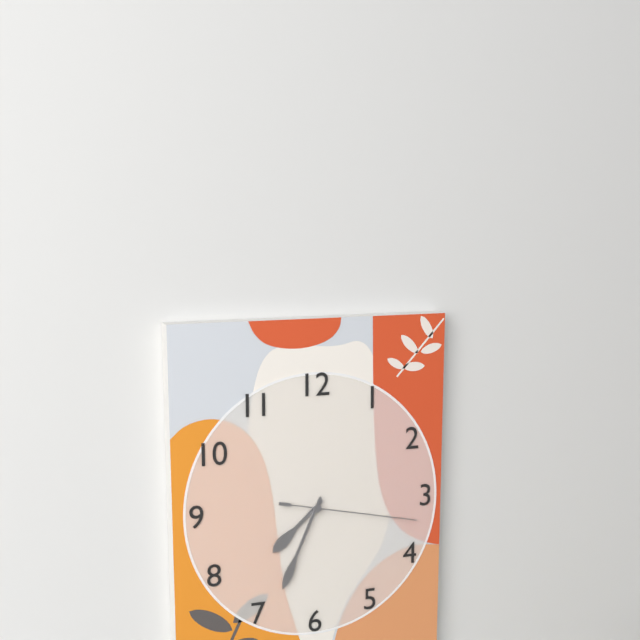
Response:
{"hour": 7, "minute": 34, "second": 17}
